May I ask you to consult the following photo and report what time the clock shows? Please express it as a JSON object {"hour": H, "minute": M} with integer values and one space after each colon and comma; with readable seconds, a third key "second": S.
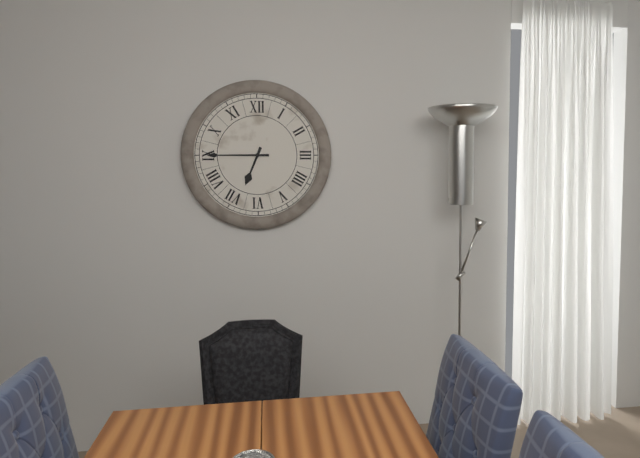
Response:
{"hour": 6, "minute": 45}
